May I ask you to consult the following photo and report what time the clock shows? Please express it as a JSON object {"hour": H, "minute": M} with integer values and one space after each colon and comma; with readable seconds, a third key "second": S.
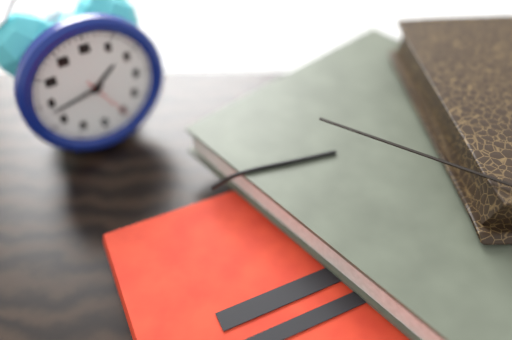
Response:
{"hour": 1, "minute": 43, "second": 25}
